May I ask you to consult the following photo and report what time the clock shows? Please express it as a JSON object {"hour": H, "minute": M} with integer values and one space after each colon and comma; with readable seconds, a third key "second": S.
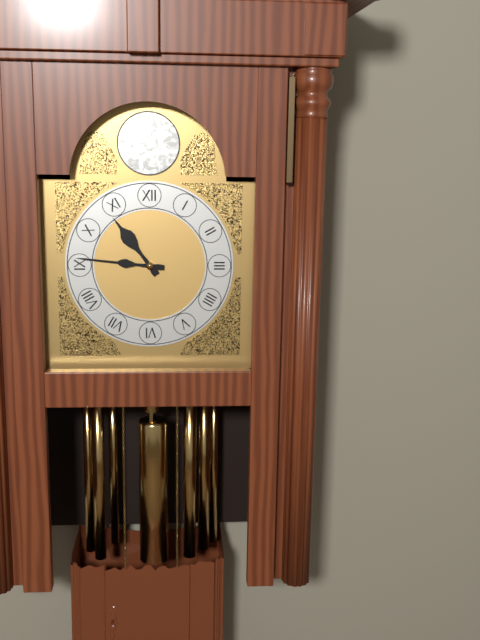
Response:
{"hour": 10, "minute": 46}
